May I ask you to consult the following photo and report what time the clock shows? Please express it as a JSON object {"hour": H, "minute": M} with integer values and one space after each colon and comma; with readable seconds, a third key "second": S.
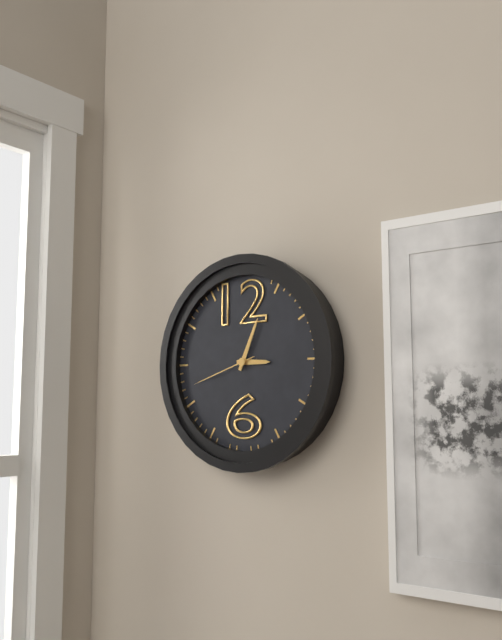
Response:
{"hour": 3, "minute": 4, "second": 42}
